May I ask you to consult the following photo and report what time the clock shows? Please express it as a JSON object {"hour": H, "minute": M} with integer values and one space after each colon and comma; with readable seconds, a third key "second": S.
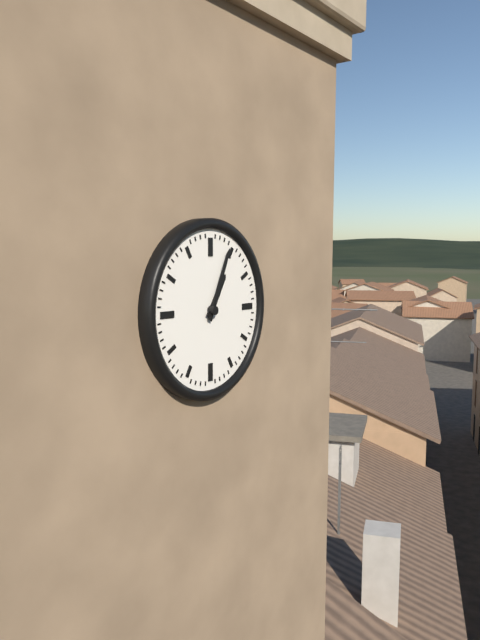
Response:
{"hour": 1, "minute": 4}
